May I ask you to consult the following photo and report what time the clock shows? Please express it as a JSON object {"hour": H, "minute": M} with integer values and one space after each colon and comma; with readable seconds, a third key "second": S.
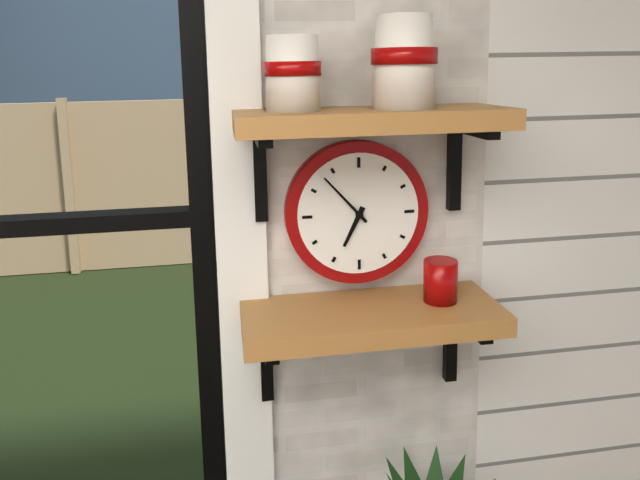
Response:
{"hour": 6, "minute": 53}
